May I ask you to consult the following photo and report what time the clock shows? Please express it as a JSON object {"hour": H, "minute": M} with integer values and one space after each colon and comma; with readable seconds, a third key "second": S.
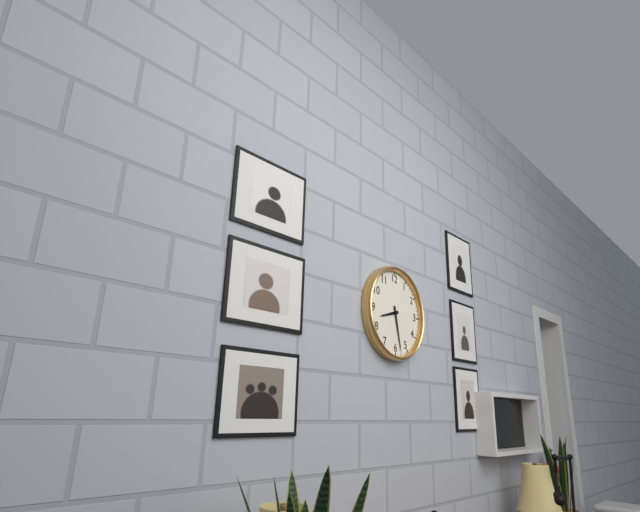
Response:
{"hour": 8, "minute": 28}
